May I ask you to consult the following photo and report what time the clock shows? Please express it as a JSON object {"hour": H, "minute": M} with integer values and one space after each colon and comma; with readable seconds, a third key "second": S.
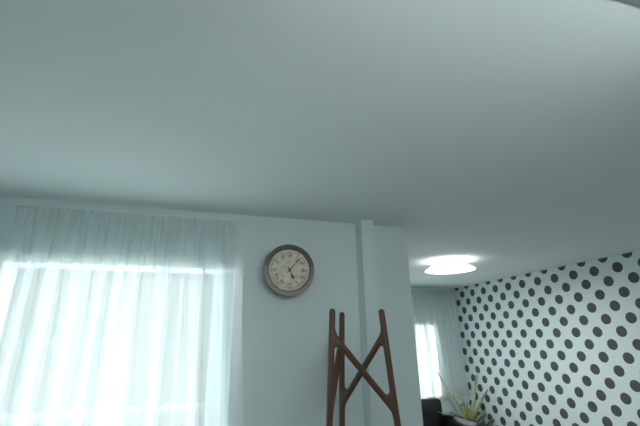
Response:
{"hour": 5, "minute": 7}
